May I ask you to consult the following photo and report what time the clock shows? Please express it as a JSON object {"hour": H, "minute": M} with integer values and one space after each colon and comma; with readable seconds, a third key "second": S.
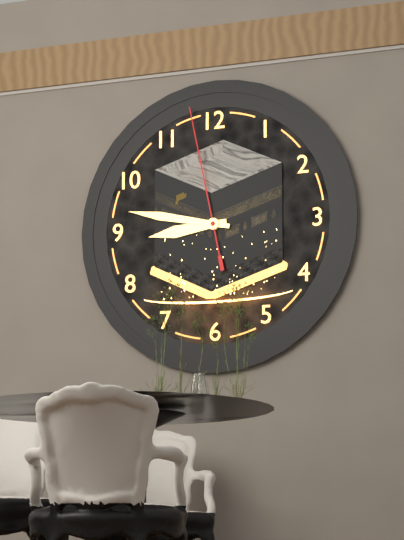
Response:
{"hour": 8, "minute": 47, "second": 58}
